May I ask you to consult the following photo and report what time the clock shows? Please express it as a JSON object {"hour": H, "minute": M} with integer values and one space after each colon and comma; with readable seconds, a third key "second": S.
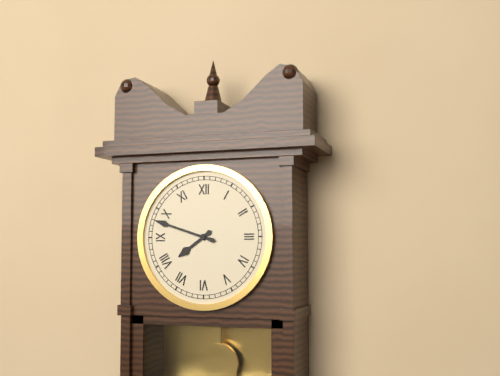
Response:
{"hour": 7, "minute": 48}
